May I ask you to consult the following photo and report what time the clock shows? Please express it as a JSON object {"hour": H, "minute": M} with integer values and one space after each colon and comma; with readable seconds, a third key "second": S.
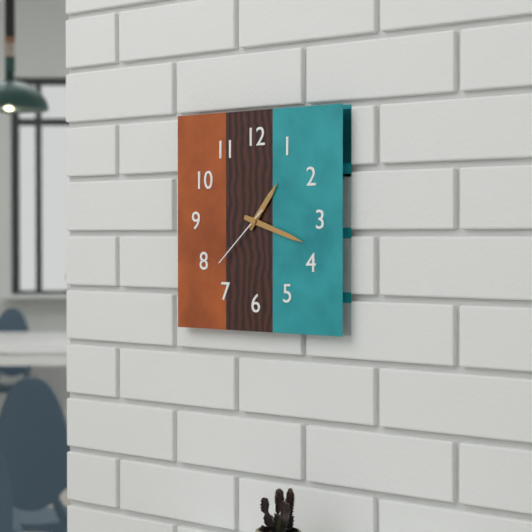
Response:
{"hour": 1, "minute": 18, "second": 38}
